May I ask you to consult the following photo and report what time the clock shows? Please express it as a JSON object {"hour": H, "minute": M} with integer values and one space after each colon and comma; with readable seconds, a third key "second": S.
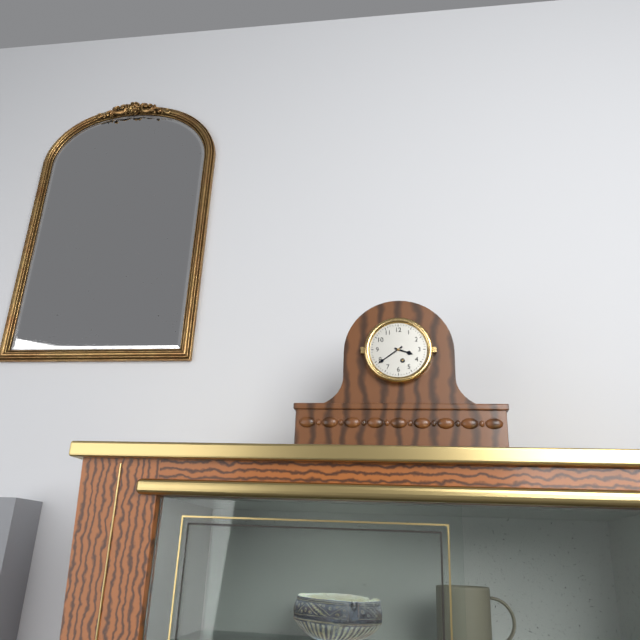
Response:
{"hour": 3, "minute": 39}
